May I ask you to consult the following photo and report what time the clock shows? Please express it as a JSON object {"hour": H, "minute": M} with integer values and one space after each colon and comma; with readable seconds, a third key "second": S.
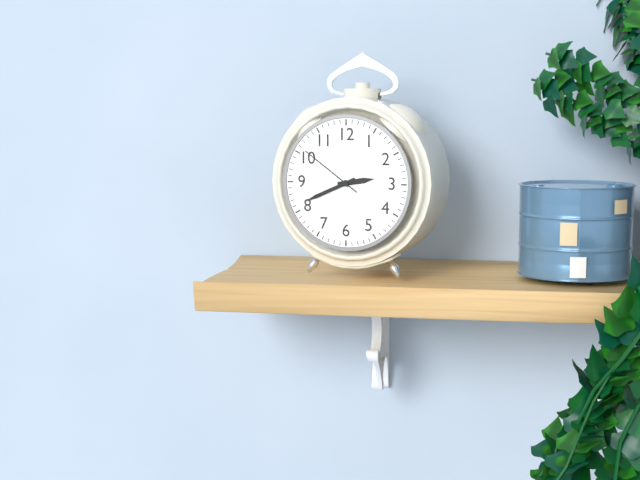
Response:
{"hour": 2, "minute": 41, "second": 51}
